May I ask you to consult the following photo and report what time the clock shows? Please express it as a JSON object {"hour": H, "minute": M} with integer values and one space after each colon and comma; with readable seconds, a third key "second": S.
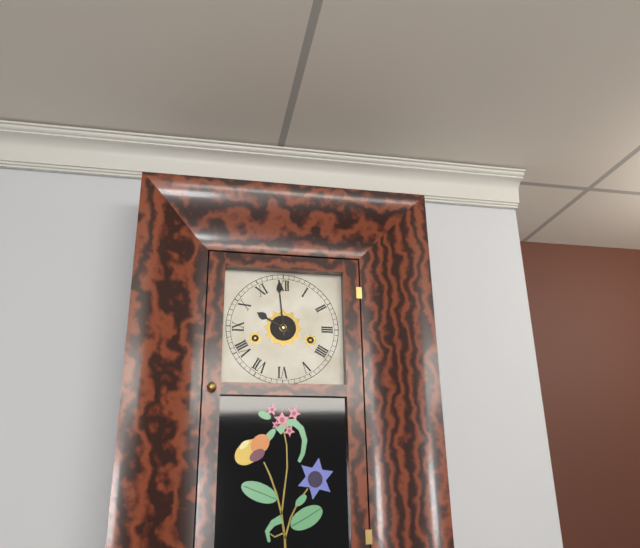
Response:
{"hour": 9, "minute": 59}
